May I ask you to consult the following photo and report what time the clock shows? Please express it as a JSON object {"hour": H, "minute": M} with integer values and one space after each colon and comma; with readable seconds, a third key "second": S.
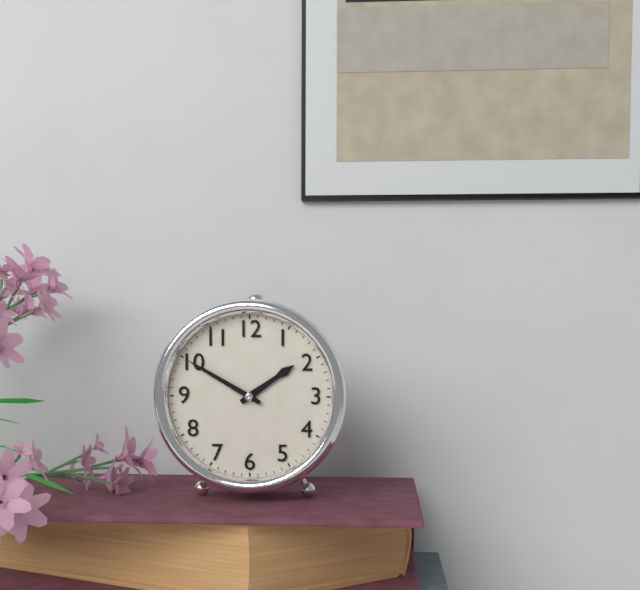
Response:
{"hour": 1, "minute": 50}
